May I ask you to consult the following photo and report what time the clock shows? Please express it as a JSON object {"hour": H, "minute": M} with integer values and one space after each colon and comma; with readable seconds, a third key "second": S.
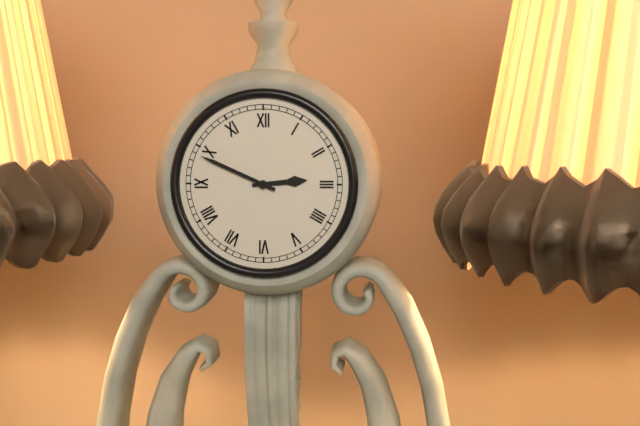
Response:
{"hour": 2, "minute": 49}
